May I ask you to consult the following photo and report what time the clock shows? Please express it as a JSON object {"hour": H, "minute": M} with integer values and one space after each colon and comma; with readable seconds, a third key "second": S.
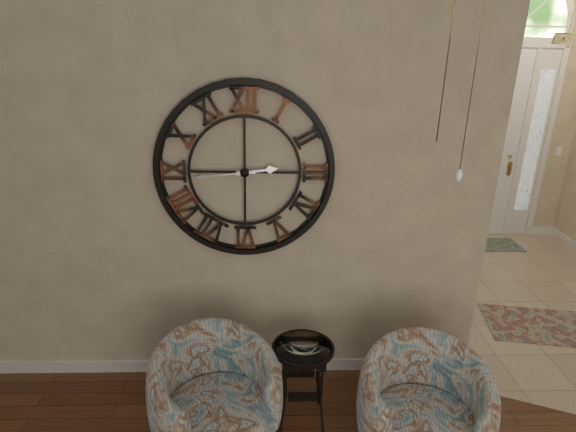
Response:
{"hour": 2, "minute": 44}
